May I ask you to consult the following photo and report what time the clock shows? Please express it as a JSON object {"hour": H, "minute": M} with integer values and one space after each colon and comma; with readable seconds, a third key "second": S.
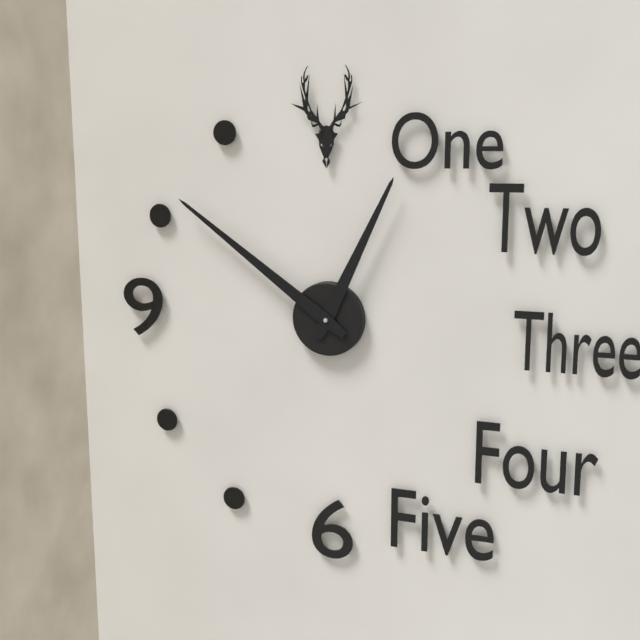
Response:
{"hour": 12, "minute": 51}
